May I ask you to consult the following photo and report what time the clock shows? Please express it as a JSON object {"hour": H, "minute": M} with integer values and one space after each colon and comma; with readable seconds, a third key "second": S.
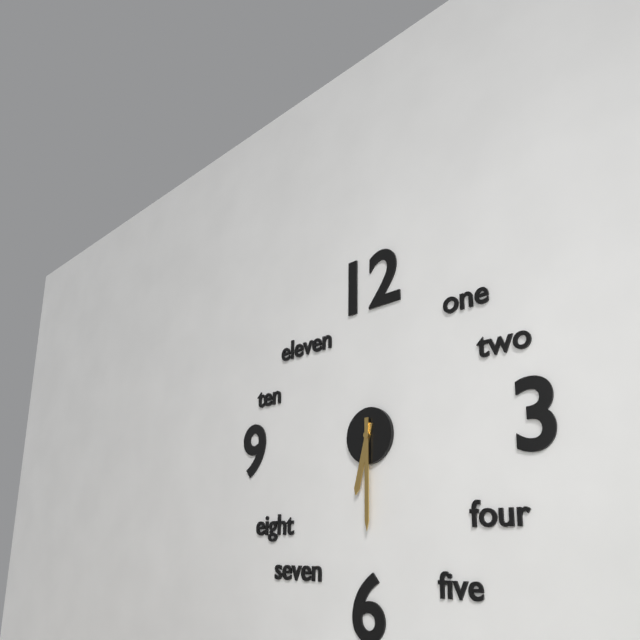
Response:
{"hour": 6, "minute": 30}
